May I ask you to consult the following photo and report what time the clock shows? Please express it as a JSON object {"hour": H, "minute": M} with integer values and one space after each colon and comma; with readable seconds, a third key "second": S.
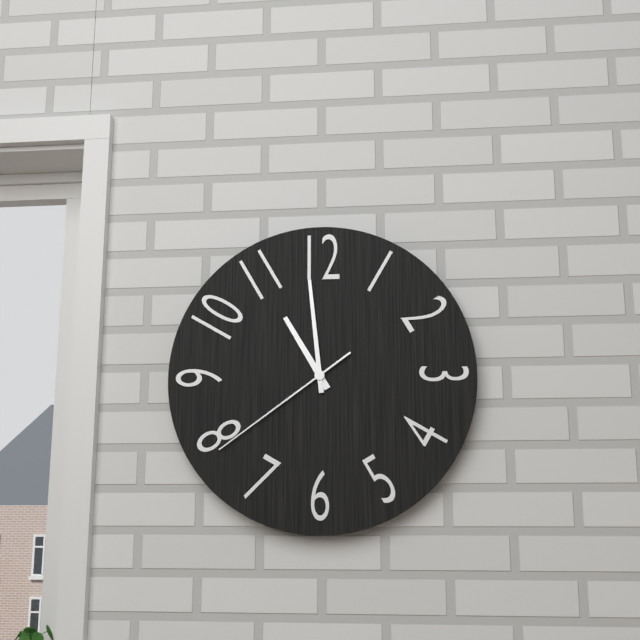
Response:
{"hour": 10, "minute": 59, "second": 39}
